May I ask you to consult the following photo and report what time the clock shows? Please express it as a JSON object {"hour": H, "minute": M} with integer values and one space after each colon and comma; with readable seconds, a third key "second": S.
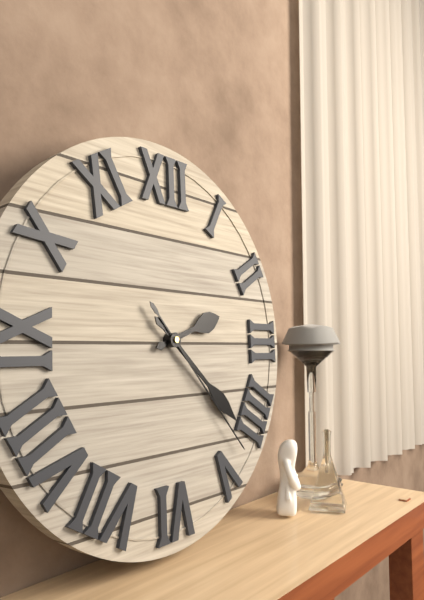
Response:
{"hour": 2, "minute": 22, "second": 23}
